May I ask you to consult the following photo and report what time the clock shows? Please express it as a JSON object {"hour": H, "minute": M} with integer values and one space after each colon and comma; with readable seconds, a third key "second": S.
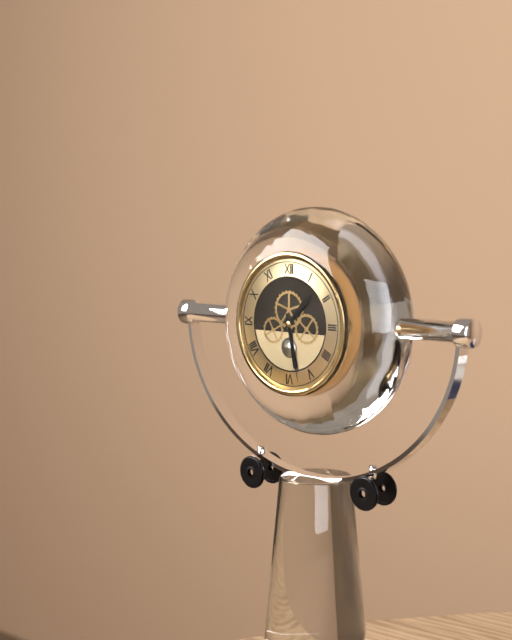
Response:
{"hour": 1, "minute": 28}
